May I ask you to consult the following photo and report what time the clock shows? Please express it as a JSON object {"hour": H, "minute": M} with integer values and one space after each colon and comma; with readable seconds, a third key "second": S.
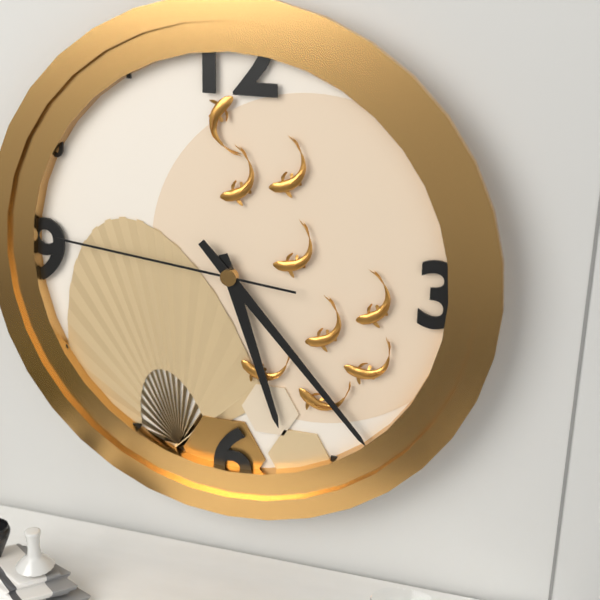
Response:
{"hour": 5, "minute": 23, "second": 46}
